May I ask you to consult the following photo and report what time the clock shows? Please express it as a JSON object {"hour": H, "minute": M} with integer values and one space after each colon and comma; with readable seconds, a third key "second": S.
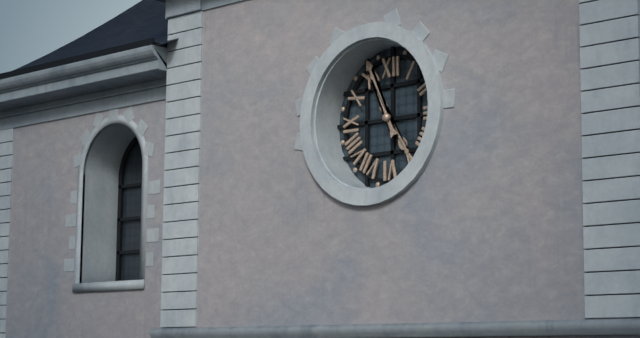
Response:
{"hour": 4, "minute": 56}
